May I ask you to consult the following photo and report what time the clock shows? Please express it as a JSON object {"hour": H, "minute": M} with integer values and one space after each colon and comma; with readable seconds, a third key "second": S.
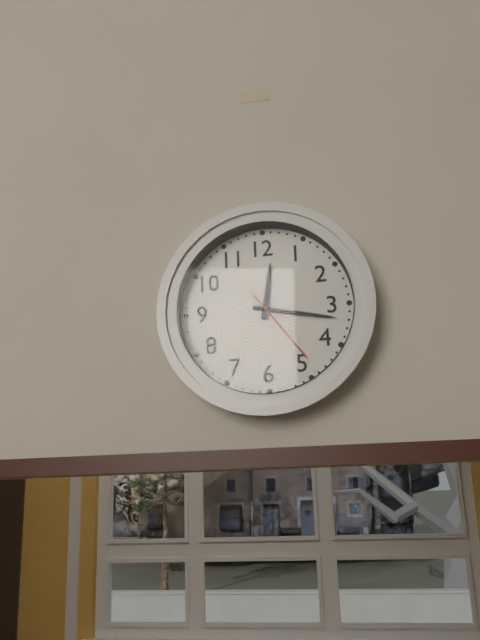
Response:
{"hour": 12, "minute": 17, "second": 24}
